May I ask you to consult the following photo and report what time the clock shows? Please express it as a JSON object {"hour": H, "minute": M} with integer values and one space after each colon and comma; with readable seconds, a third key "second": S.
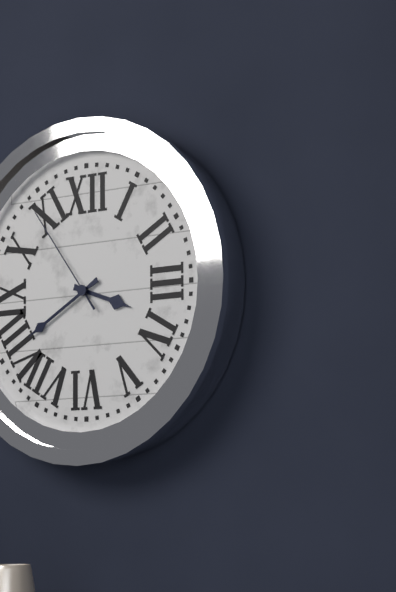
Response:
{"hour": 3, "minute": 40, "second": 54}
